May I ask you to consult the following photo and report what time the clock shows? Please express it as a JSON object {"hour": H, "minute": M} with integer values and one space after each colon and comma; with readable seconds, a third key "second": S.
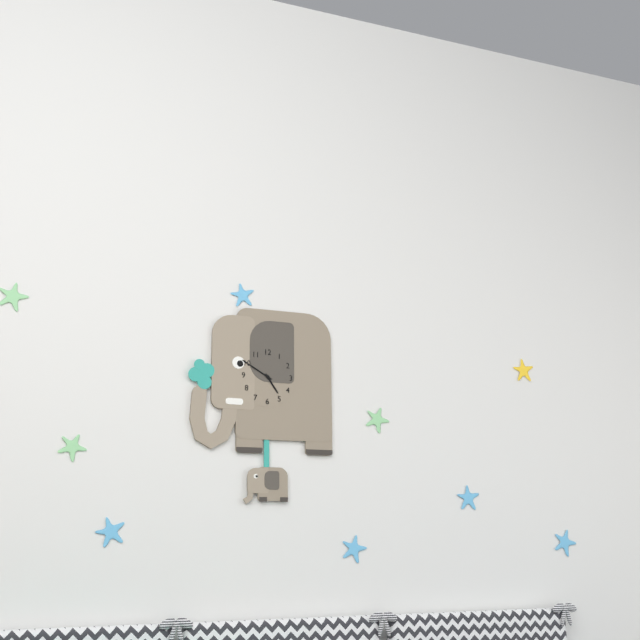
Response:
{"hour": 4, "minute": 50}
